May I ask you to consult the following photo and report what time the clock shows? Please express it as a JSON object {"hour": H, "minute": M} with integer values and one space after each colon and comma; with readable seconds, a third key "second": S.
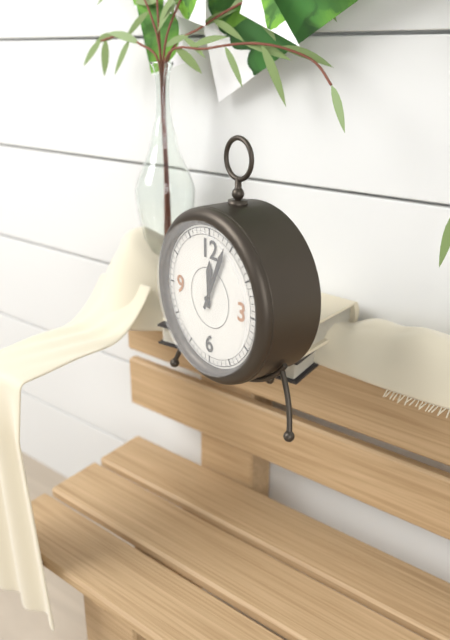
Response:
{"hour": 12, "minute": 4}
